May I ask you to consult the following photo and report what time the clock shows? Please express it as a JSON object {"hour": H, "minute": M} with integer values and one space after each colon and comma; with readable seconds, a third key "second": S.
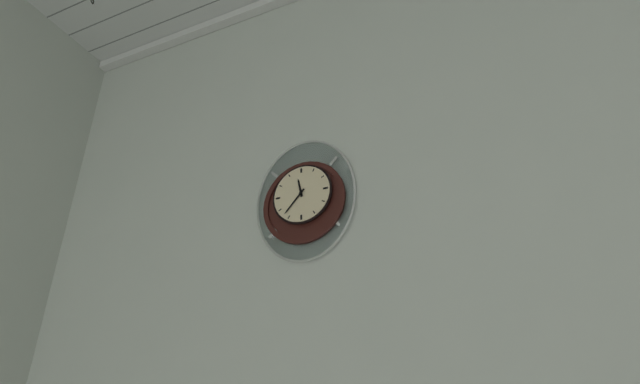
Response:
{"hour": 11, "minute": 37}
